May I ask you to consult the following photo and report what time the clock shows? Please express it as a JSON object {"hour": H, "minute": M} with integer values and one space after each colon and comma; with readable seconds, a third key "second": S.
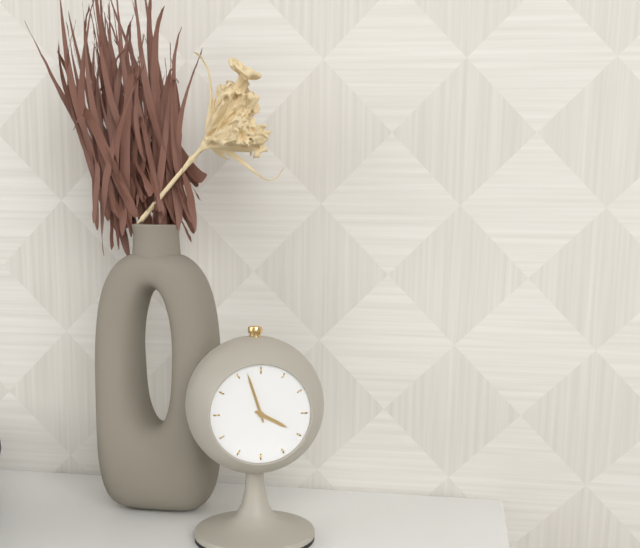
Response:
{"hour": 3, "minute": 57}
